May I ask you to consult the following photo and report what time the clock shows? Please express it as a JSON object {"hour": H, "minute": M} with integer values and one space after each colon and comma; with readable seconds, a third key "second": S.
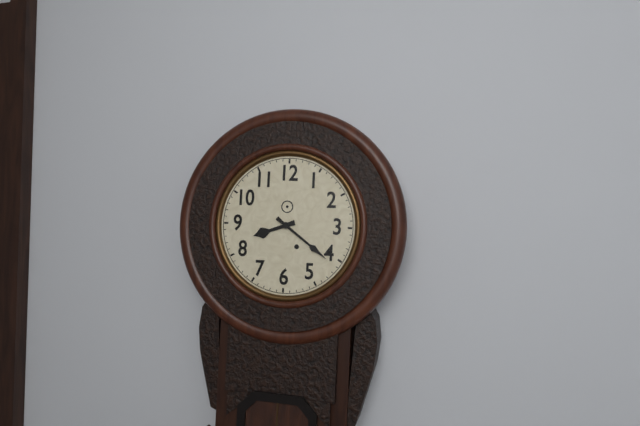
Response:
{"hour": 8, "minute": 21}
